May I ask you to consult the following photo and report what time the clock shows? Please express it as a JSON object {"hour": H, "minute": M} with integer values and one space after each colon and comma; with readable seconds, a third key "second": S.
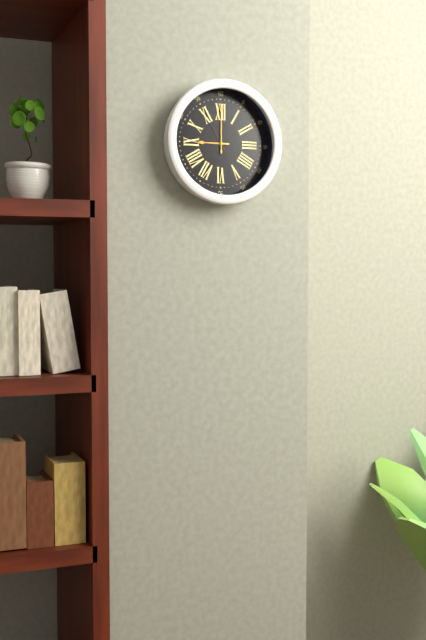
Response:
{"hour": 9, "minute": 0, "second": 55}
